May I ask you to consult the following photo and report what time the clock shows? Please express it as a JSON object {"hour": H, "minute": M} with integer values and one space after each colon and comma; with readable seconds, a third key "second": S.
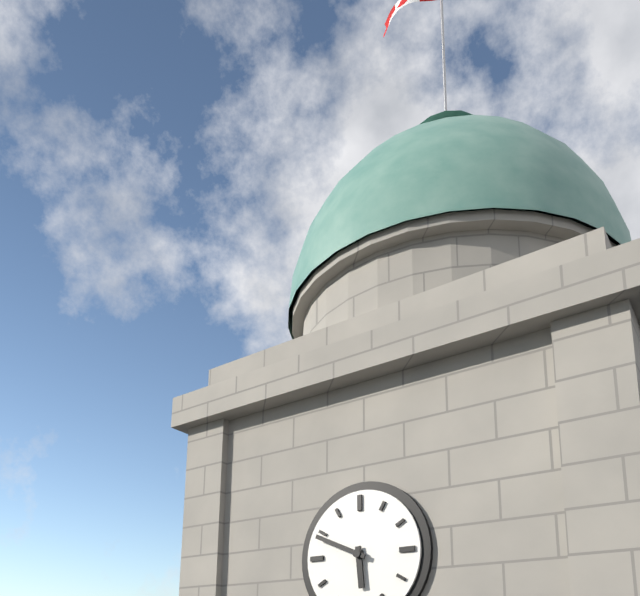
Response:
{"hour": 5, "minute": 49}
